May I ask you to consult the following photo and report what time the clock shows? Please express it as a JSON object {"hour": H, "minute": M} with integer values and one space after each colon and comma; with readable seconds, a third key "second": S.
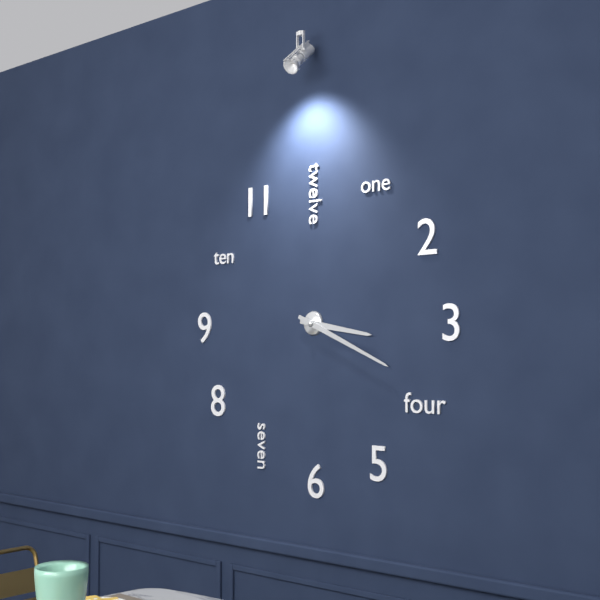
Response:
{"hour": 3, "minute": 19}
